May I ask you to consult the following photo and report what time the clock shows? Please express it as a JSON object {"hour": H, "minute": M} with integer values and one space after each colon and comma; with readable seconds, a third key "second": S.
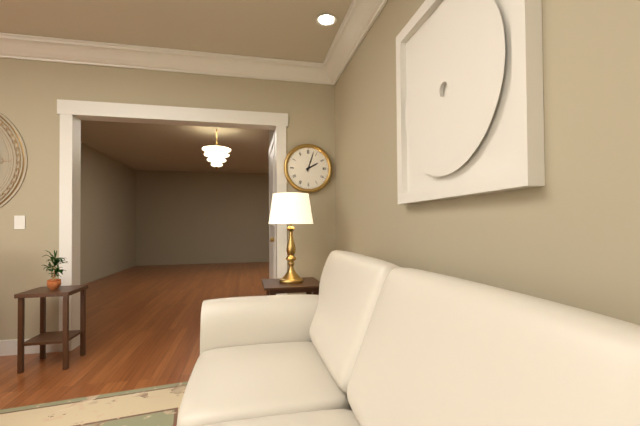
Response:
{"hour": 2, "minute": 3}
